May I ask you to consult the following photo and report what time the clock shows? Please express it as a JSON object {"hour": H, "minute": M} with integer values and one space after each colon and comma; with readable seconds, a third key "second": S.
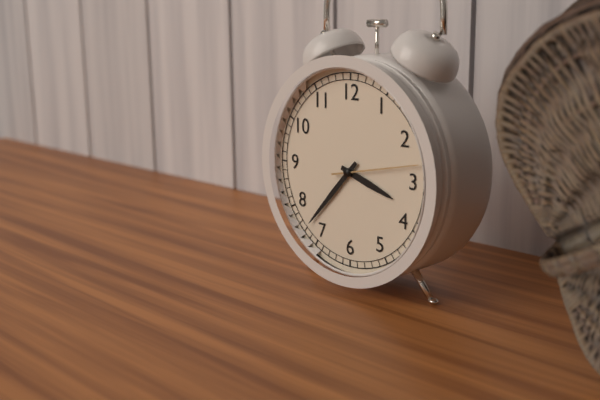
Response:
{"hour": 3, "minute": 37, "second": 13}
